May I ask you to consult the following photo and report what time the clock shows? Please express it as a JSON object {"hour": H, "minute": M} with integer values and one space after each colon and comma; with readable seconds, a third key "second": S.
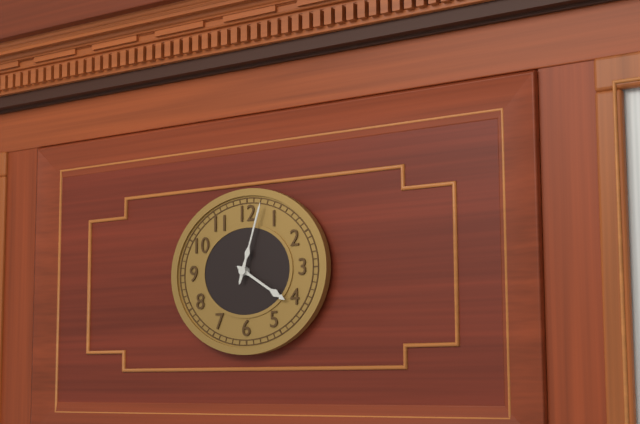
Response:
{"hour": 4, "minute": 3}
